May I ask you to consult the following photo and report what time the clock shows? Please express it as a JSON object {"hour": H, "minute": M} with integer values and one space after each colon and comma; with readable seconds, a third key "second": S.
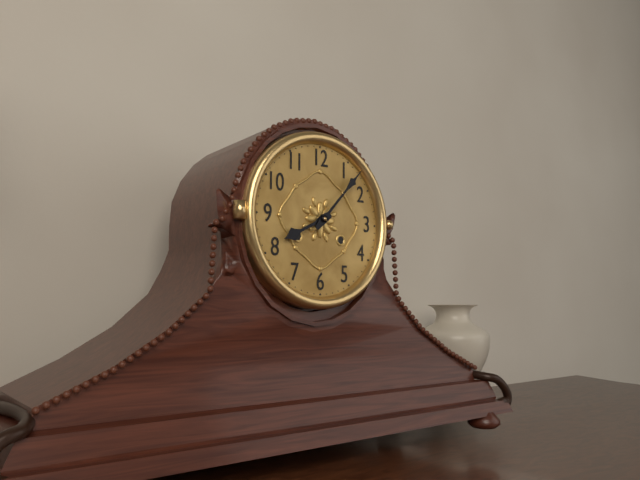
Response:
{"hour": 8, "minute": 7}
